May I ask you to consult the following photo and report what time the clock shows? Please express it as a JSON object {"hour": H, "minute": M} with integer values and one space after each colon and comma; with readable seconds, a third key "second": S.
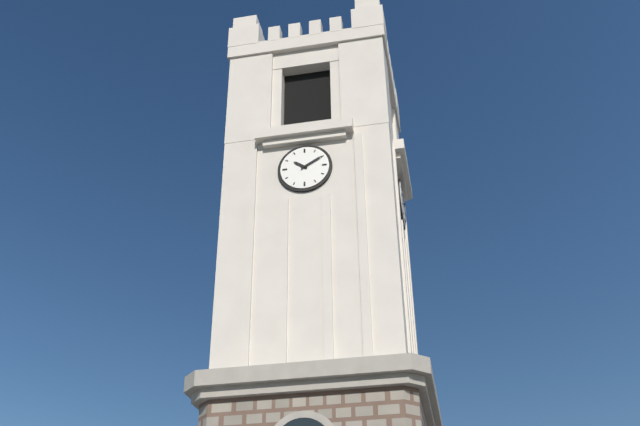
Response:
{"hour": 10, "minute": 10}
